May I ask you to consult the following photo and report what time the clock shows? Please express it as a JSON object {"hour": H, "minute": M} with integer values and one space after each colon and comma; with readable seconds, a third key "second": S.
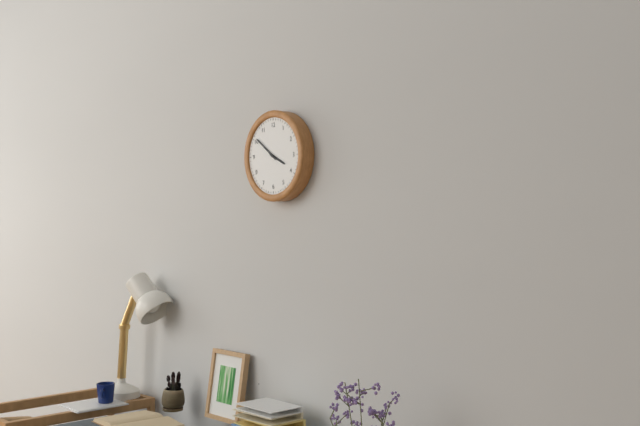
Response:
{"hour": 3, "minute": 51}
